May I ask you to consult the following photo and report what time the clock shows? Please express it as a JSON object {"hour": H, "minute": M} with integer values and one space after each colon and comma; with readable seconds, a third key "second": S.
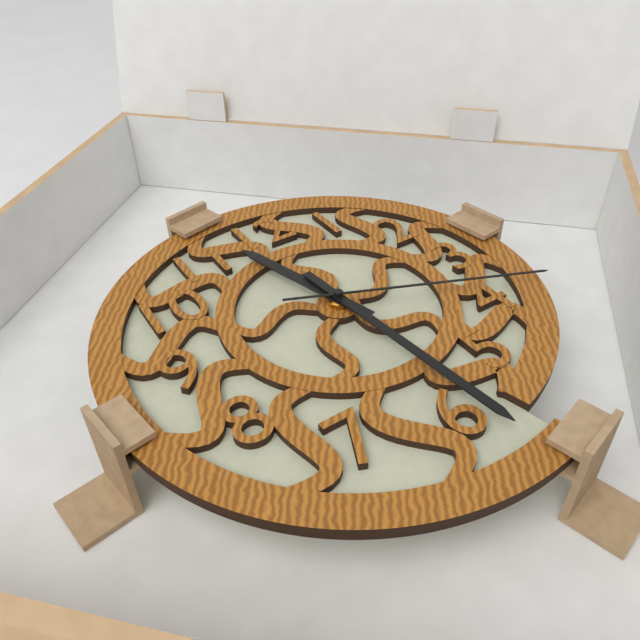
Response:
{"hour": 11, "minute": 29, "second": 19}
